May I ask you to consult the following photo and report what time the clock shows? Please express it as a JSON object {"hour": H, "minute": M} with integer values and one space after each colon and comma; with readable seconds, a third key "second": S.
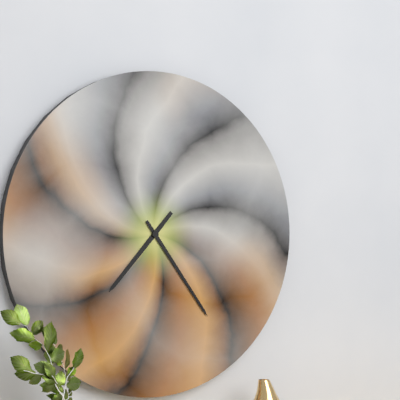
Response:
{"hour": 7, "minute": 24}
